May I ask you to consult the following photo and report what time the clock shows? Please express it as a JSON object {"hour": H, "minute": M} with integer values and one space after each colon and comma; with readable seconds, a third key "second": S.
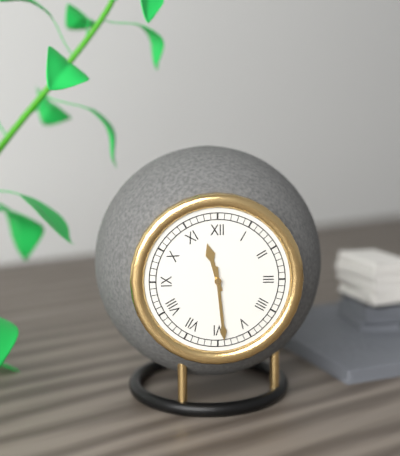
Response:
{"hour": 11, "minute": 29}
